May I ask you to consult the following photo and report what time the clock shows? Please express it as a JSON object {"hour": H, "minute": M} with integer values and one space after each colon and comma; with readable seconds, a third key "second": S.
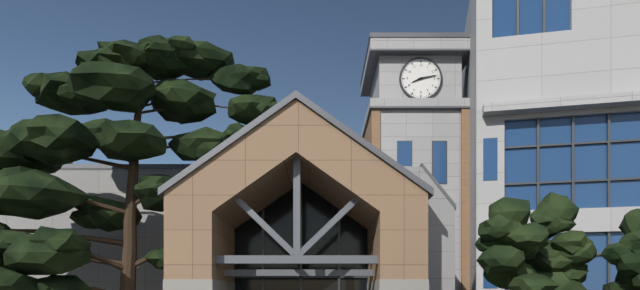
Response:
{"hour": 8, "minute": 13}
